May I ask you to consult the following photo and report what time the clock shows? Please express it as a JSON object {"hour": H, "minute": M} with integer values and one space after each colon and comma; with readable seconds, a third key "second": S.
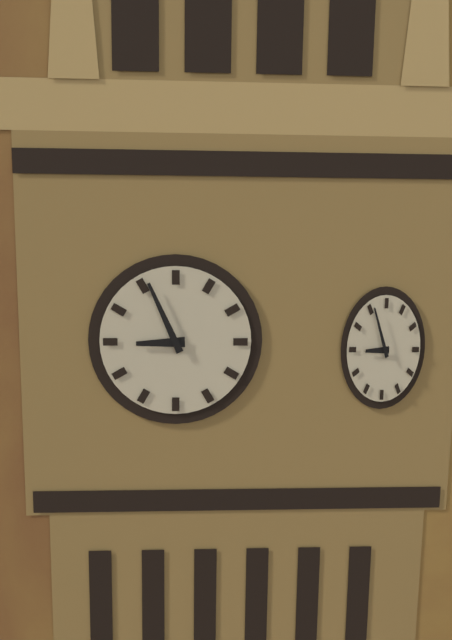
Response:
{"hour": 8, "minute": 56}
